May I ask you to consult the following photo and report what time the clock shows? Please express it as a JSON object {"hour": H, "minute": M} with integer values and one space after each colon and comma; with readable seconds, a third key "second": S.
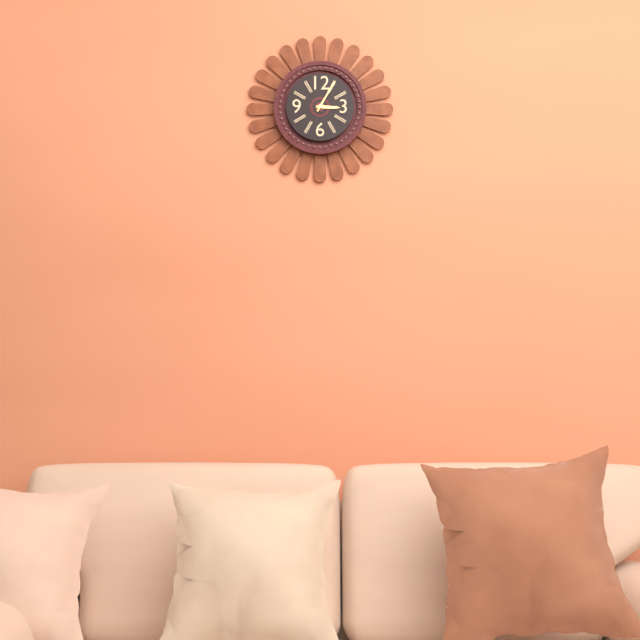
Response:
{"hour": 3, "minute": 5}
